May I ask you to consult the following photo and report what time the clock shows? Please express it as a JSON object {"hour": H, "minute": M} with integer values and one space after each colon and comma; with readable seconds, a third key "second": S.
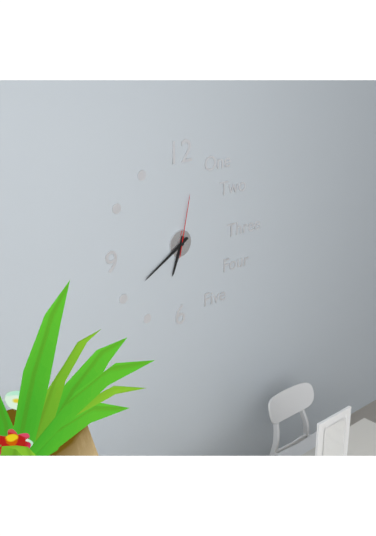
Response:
{"hour": 6, "minute": 40, "second": 2}
